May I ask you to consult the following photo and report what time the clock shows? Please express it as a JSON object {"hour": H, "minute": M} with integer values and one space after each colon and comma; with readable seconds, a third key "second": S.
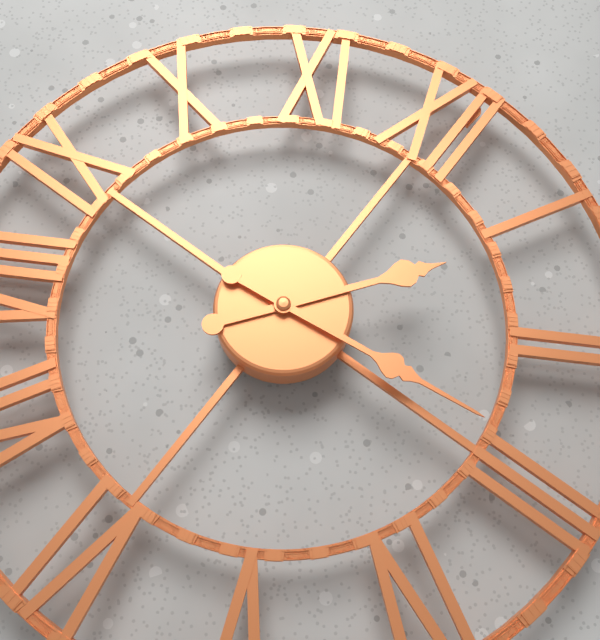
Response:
{"hour": 1, "minute": 14}
